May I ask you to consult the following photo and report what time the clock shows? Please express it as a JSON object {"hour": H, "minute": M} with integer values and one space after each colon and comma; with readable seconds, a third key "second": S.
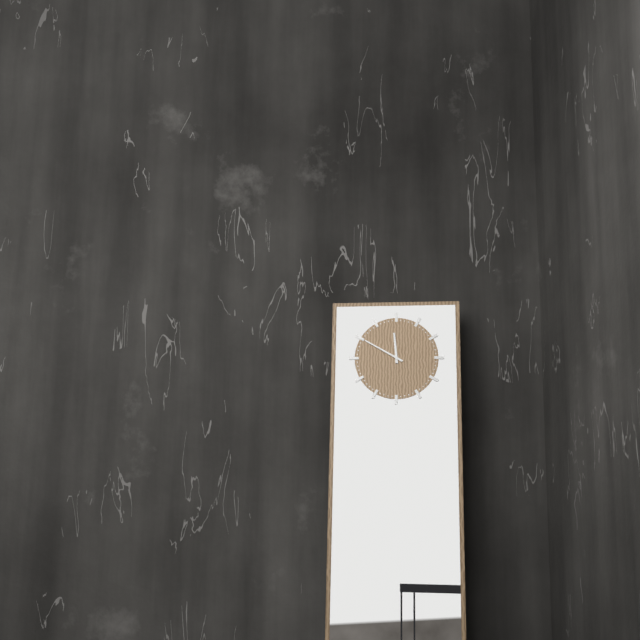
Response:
{"hour": 11, "minute": 50}
